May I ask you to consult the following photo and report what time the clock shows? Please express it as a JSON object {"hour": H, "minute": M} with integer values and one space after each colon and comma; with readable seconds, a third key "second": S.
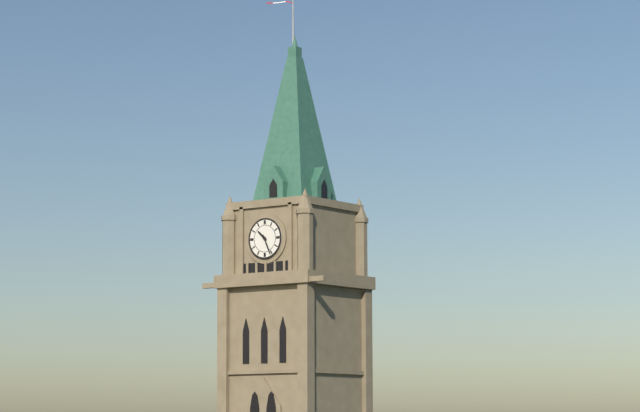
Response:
{"hour": 10, "minute": 26}
